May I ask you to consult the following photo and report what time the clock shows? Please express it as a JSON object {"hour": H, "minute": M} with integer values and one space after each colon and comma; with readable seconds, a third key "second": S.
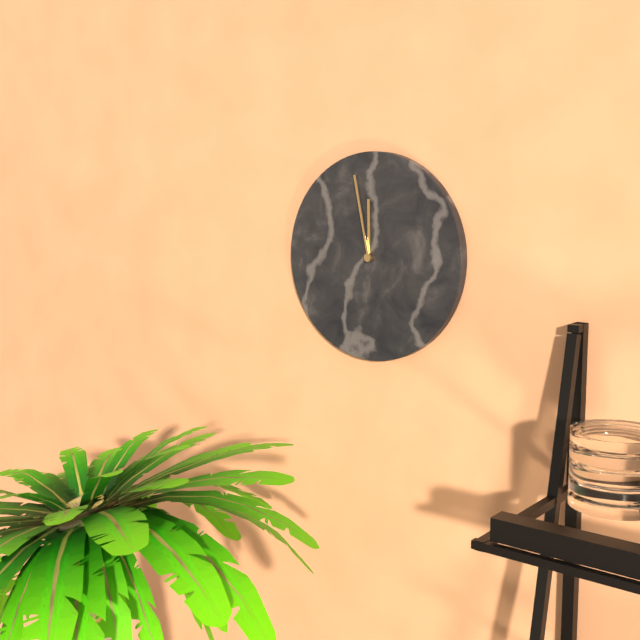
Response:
{"hour": 11, "minute": 58}
